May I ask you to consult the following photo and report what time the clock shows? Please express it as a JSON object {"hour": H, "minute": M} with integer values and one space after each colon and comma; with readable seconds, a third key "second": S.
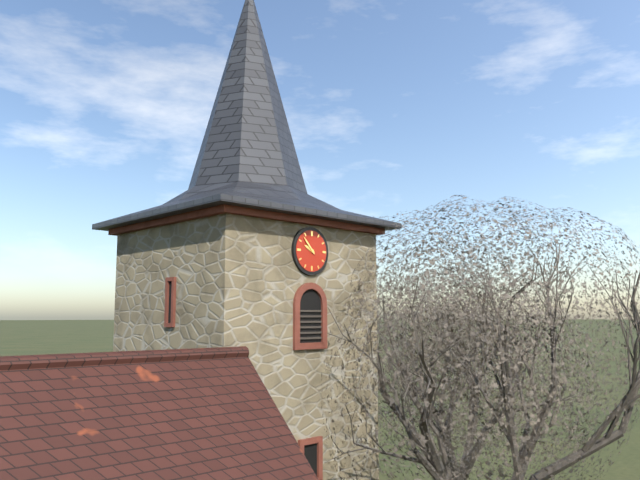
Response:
{"hour": 9, "minute": 53}
